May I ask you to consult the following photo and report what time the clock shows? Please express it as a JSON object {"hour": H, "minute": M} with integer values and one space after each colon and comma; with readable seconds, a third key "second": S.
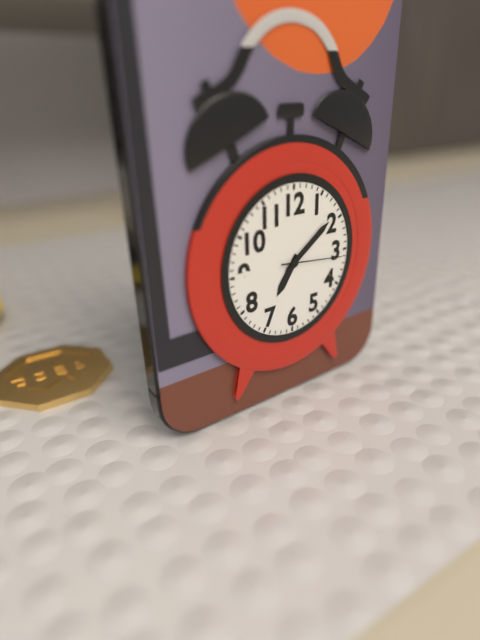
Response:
{"hour": 7, "minute": 9, "second": 16}
